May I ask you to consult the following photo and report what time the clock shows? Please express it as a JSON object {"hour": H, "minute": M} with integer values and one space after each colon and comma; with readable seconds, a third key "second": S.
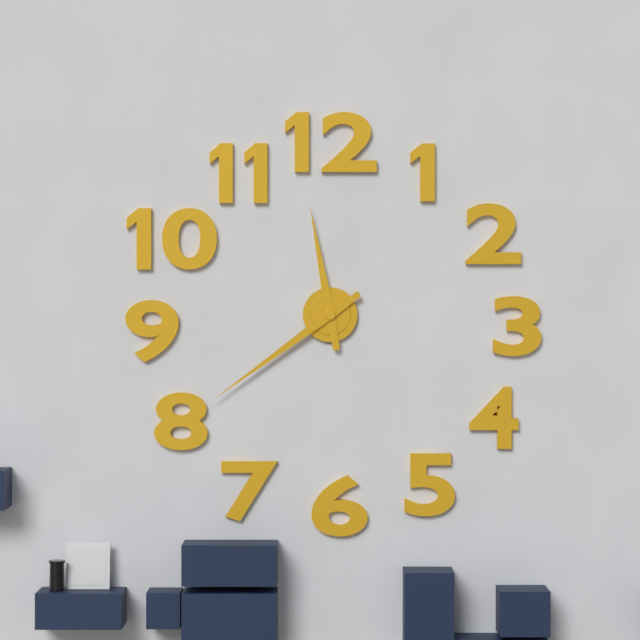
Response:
{"hour": 11, "minute": 39}
